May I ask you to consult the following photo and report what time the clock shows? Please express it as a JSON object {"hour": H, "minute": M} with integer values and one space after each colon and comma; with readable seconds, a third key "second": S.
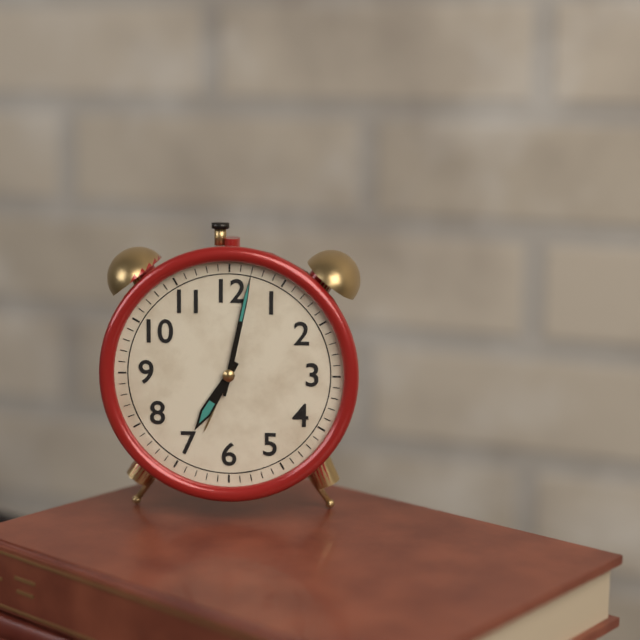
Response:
{"hour": 7, "minute": 2}
